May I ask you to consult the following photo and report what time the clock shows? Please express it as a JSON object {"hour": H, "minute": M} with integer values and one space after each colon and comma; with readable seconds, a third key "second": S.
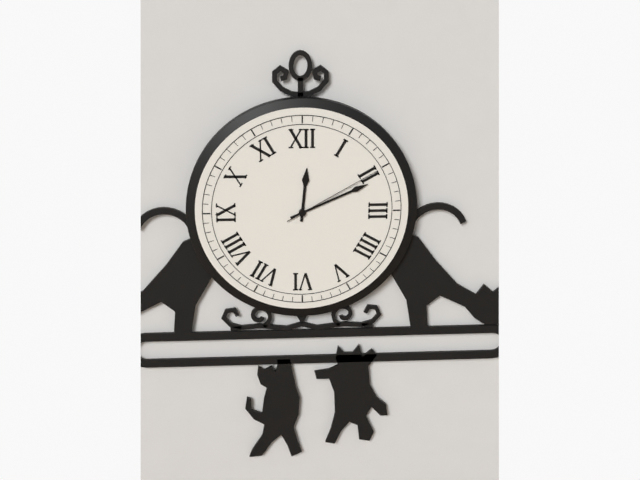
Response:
{"hour": 12, "minute": 11, "second": 10}
